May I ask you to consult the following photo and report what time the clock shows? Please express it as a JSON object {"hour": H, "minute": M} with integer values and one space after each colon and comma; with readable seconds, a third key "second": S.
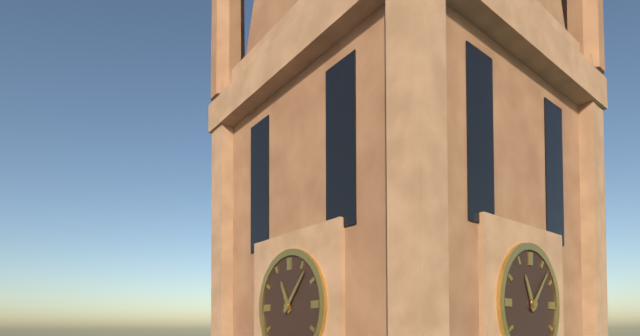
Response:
{"hour": 11, "minute": 7}
